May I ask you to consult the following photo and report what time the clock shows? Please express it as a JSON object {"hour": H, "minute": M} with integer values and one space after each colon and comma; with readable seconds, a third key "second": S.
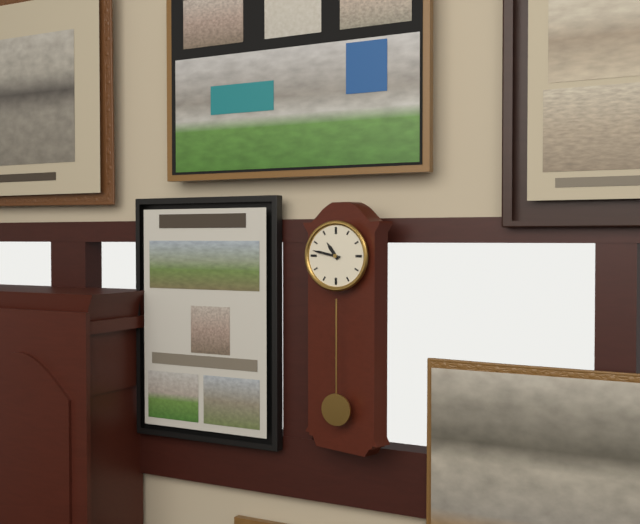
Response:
{"hour": 10, "minute": 47}
